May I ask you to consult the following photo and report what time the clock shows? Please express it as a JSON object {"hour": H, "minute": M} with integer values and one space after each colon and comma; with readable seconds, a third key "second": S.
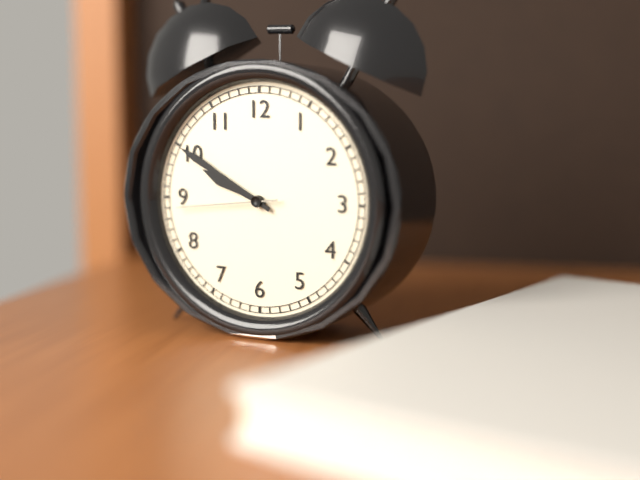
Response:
{"hour": 9, "minute": 50, "second": 44}
